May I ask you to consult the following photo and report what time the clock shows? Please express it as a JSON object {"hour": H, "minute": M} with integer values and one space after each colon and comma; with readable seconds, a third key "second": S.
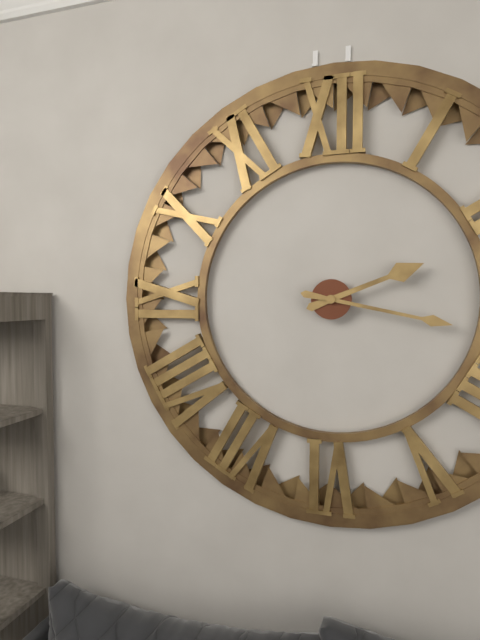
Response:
{"hour": 2, "minute": 17}
